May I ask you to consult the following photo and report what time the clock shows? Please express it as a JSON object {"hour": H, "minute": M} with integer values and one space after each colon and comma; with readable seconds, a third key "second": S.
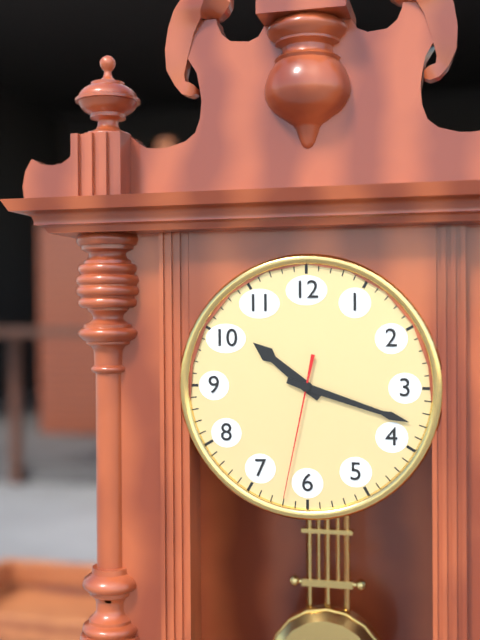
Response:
{"hour": 10, "minute": 18, "second": 32}
